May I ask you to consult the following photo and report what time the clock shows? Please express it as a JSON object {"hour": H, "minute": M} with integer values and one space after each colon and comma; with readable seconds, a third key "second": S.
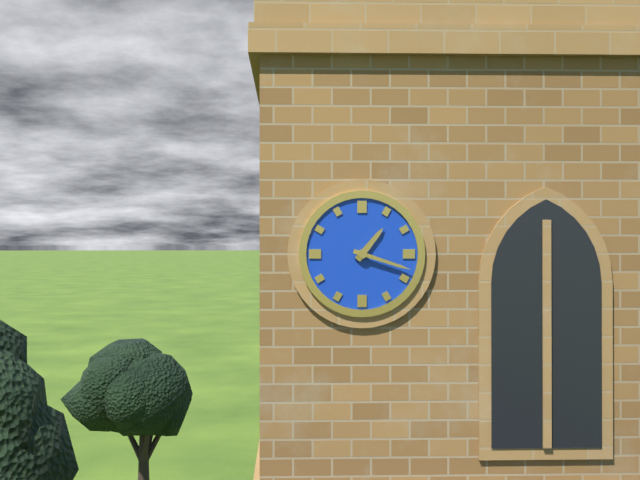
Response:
{"hour": 1, "minute": 18}
